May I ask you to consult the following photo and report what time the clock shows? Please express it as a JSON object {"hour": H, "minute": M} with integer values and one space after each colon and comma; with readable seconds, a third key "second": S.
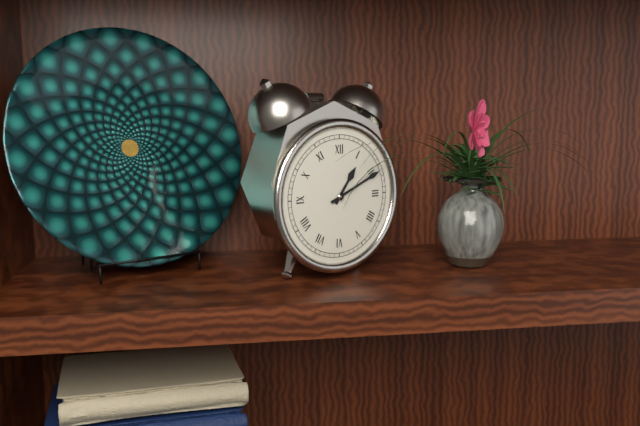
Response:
{"hour": 1, "minute": 11}
